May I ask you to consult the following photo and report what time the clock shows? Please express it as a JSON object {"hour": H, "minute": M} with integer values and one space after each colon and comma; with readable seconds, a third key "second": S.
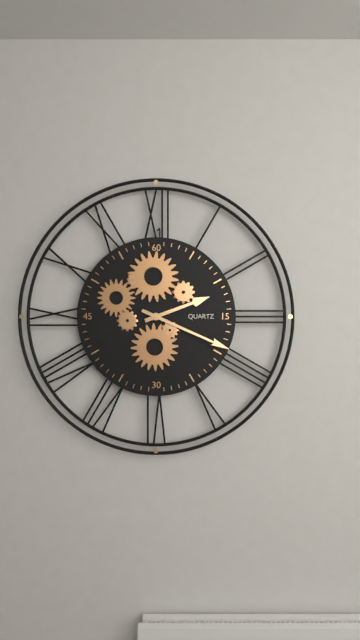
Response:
{"hour": 2, "minute": 19}
